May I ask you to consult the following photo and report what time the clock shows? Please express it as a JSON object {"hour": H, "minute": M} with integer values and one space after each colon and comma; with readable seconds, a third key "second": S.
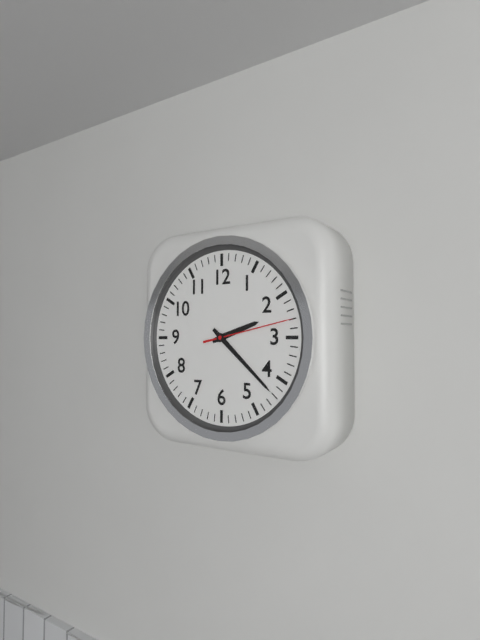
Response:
{"hour": 2, "minute": 22, "second": 13}
